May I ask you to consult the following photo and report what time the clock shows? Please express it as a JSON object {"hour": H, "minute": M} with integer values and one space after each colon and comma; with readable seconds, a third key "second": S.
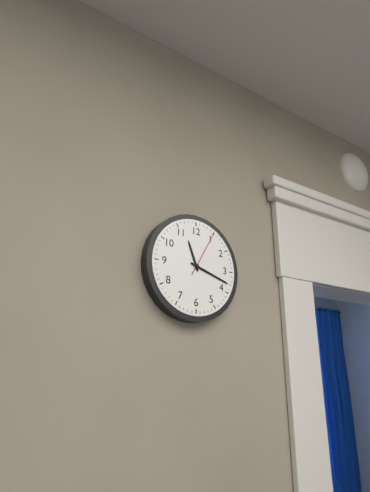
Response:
{"hour": 11, "minute": 18}
